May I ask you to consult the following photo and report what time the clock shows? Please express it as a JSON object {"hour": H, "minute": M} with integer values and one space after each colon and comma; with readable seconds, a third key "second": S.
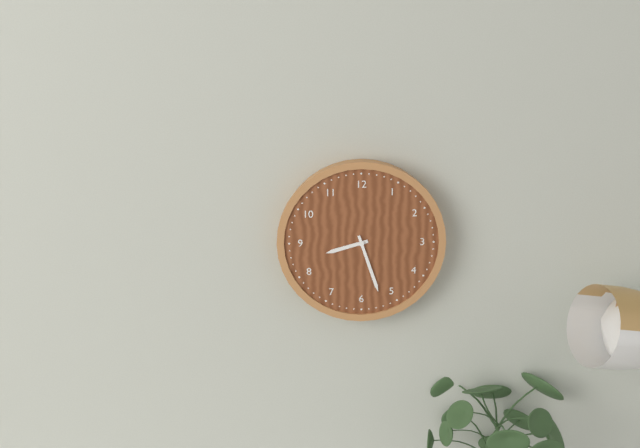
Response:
{"hour": 8, "minute": 27}
